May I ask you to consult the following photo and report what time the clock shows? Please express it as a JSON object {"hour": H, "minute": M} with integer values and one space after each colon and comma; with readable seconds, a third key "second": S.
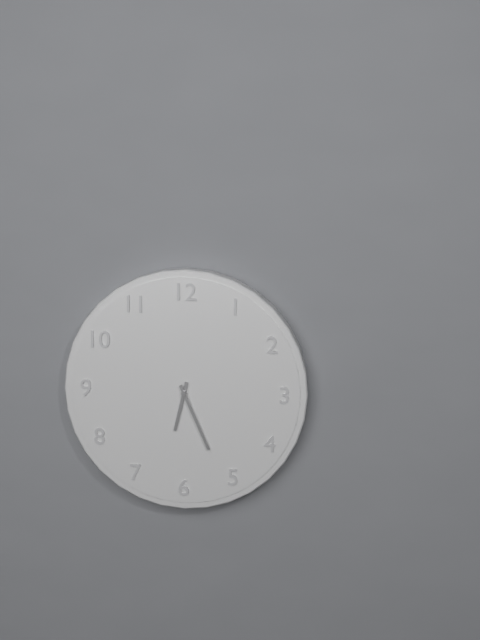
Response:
{"hour": 6, "minute": 26}
